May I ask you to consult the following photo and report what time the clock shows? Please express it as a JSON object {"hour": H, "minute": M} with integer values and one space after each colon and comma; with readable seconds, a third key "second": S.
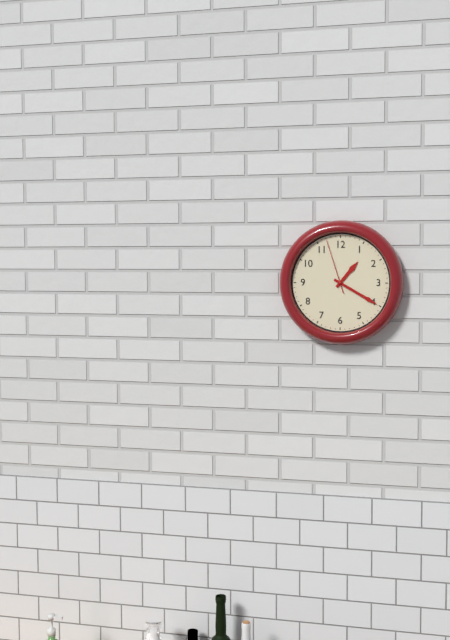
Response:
{"hour": 1, "minute": 20, "second": 57}
